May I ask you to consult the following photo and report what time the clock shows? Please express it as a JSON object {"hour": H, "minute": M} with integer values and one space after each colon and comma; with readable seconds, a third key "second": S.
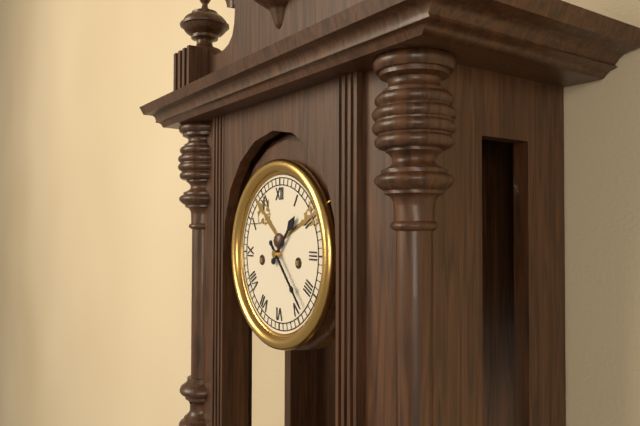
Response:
{"hour": 1, "minute": 23}
